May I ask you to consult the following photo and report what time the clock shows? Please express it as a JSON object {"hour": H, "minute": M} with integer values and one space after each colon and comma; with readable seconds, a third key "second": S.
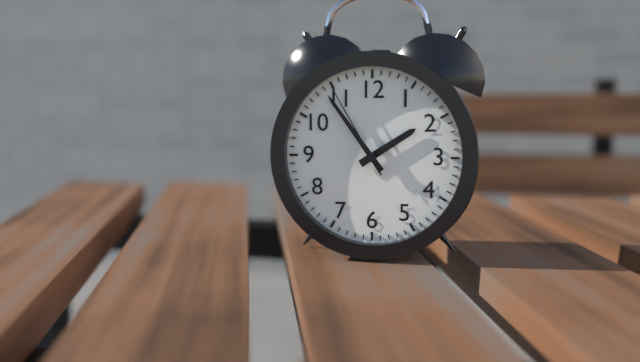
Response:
{"hour": 1, "minute": 54, "second": 55}
